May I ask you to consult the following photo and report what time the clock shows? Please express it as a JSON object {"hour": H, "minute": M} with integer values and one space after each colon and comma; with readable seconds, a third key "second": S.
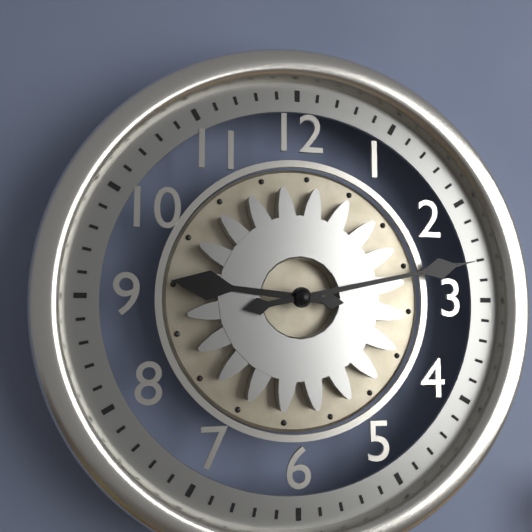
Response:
{"hour": 9, "minute": 13}
